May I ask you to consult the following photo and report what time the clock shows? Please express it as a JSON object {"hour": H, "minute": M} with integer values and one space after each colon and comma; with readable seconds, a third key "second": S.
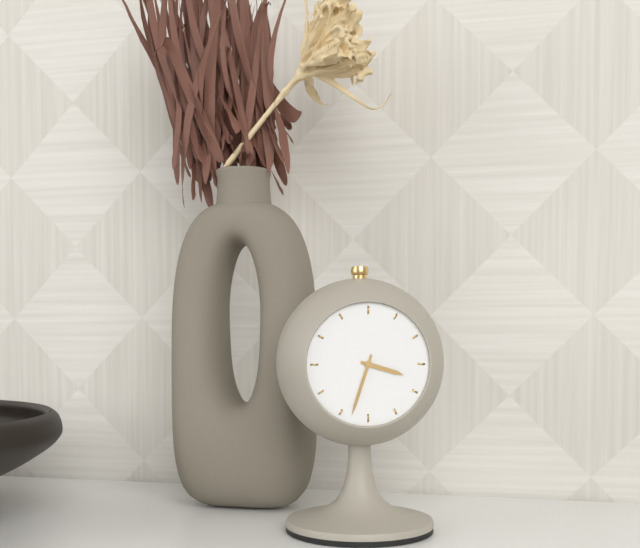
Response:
{"hour": 3, "minute": 33}
